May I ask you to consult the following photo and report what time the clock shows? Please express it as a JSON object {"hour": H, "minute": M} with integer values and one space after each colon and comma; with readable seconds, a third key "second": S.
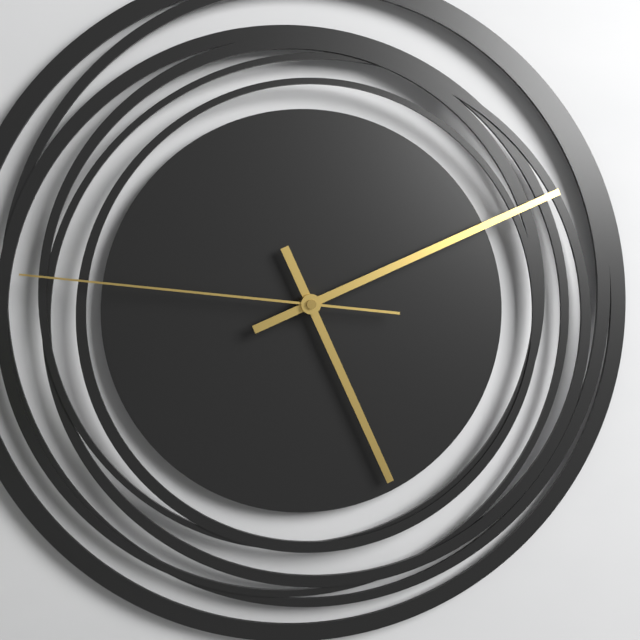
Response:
{"hour": 5, "minute": 11, "second": 46}
